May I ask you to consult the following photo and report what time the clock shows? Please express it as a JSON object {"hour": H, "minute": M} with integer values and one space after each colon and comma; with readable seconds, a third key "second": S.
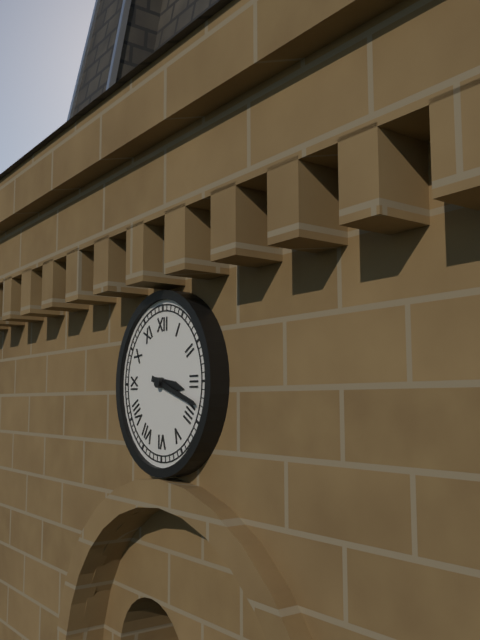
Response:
{"hour": 3, "minute": 18}
